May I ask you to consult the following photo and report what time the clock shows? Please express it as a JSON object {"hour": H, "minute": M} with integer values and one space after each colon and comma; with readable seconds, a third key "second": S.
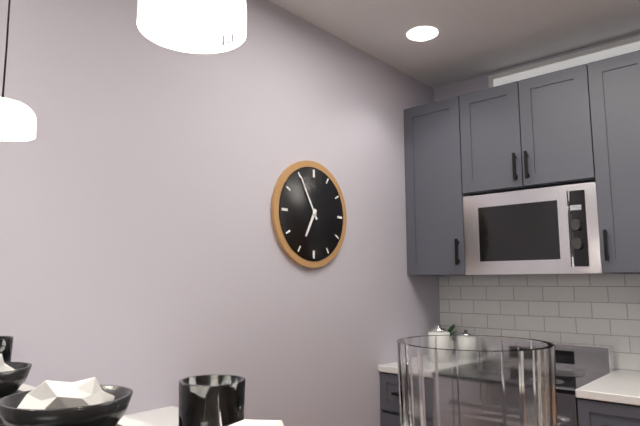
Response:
{"hour": 6, "minute": 55}
